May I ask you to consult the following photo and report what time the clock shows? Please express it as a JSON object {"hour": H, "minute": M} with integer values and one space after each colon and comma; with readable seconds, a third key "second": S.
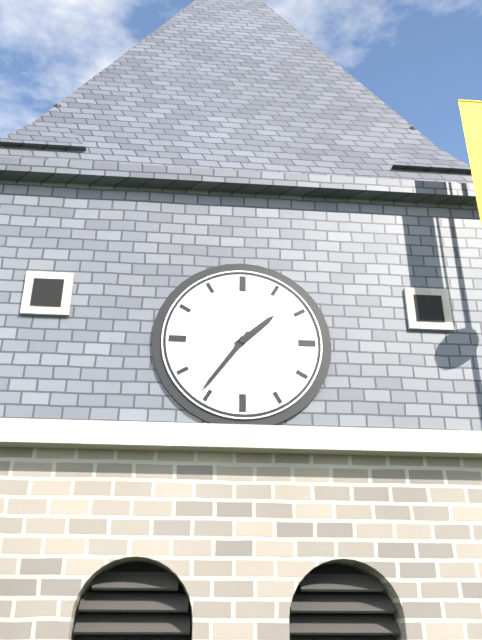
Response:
{"hour": 1, "minute": 36}
